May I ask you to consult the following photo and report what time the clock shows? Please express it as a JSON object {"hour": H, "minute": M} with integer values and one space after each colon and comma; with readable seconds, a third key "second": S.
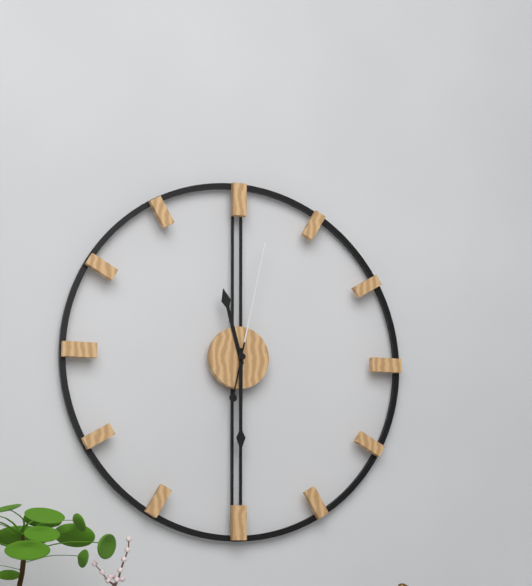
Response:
{"hour": 11, "minute": 30, "second": 2}
